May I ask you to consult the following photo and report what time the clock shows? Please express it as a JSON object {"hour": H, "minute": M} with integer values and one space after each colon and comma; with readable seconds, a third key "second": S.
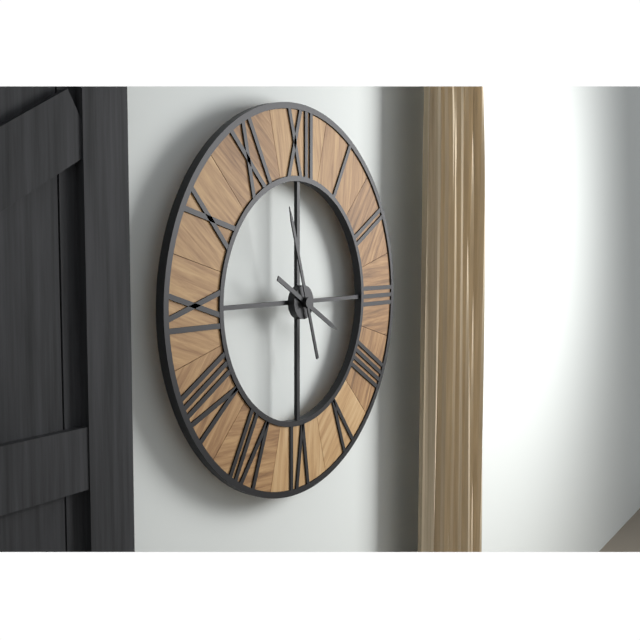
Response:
{"hour": 3, "minute": 57}
